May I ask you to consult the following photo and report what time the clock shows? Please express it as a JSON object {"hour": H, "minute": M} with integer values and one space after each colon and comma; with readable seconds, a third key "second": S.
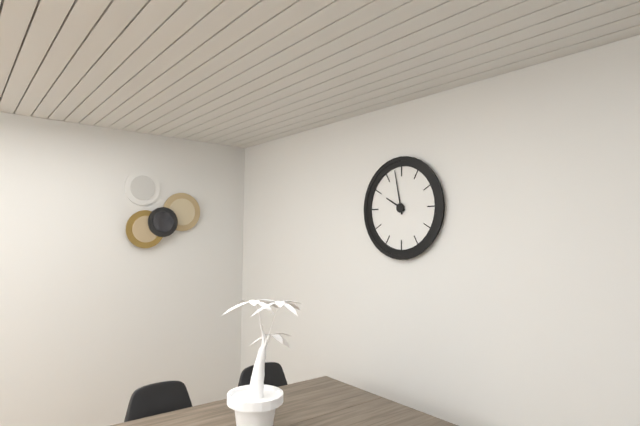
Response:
{"hour": 9, "minute": 58}
